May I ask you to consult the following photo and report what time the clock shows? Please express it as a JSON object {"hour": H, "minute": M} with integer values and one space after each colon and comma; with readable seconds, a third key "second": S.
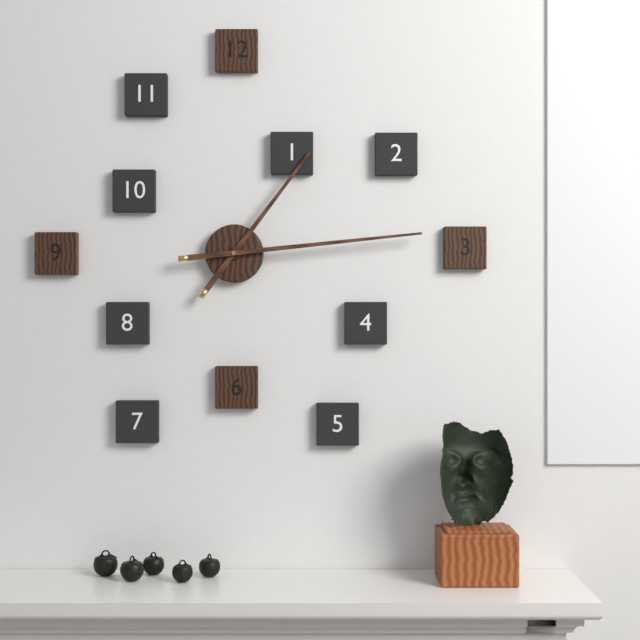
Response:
{"hour": 1, "minute": 14}
